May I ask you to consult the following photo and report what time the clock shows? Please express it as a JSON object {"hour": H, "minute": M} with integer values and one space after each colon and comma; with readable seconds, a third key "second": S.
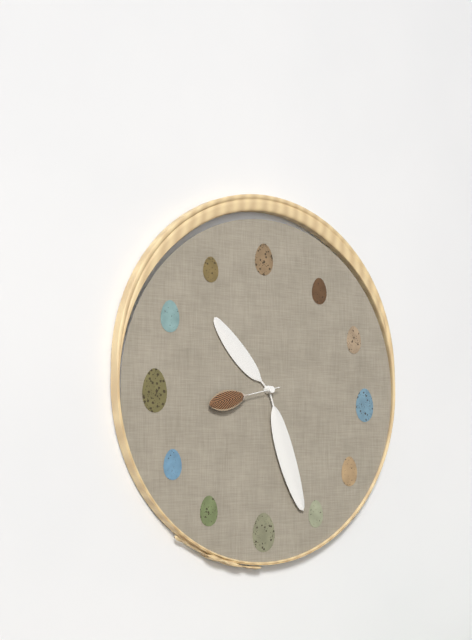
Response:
{"hour": 10, "minute": 27, "second": 43}
